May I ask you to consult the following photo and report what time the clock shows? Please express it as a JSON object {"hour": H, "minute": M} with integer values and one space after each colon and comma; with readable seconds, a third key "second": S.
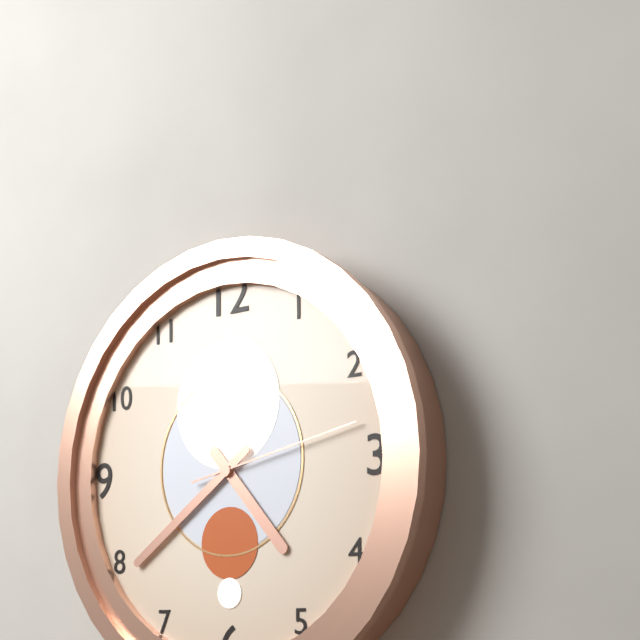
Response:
{"hour": 4, "minute": 39, "second": 13}
